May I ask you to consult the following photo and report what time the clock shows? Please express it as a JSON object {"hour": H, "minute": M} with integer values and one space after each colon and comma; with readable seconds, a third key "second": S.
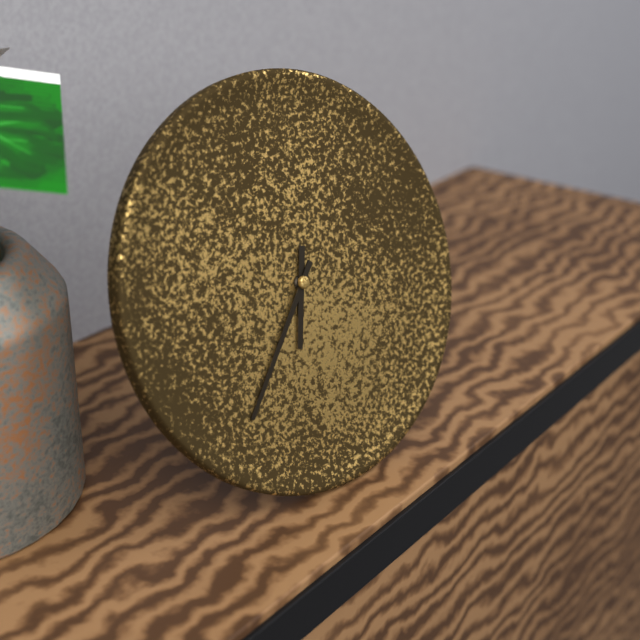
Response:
{"hour": 6, "minute": 37}
